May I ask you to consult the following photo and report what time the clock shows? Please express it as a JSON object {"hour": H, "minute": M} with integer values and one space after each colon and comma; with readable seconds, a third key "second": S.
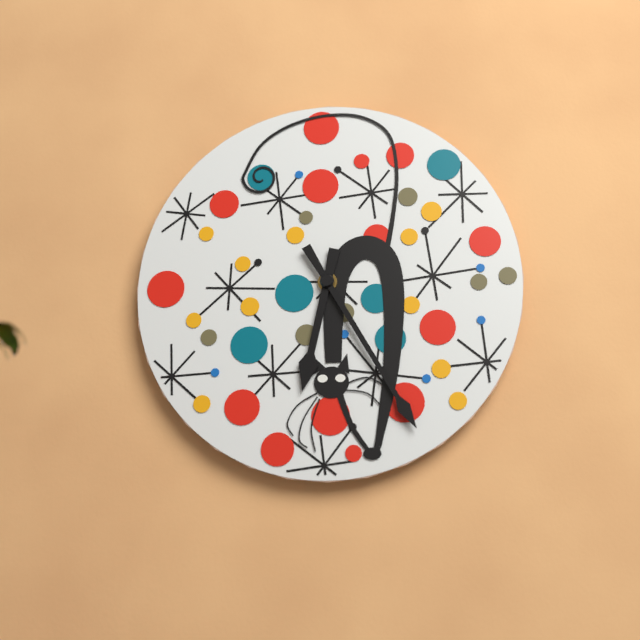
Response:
{"hour": 6, "minute": 25}
